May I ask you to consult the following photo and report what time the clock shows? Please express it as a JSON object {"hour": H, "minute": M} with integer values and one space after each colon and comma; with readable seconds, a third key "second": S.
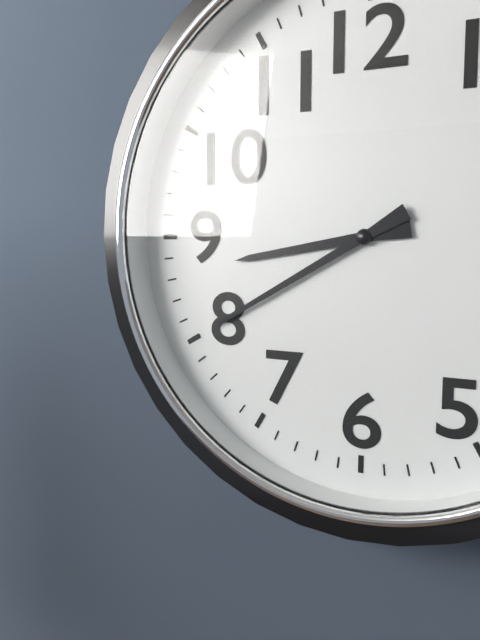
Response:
{"hour": 8, "minute": 40}
